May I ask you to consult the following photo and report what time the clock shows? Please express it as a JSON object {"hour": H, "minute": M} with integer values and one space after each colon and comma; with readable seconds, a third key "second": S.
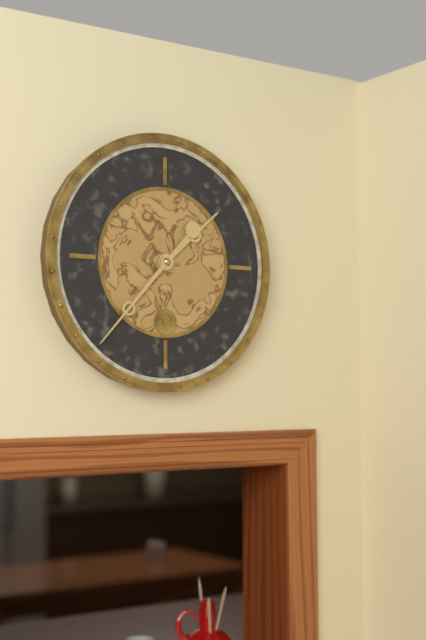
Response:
{"hour": 1, "minute": 37}
